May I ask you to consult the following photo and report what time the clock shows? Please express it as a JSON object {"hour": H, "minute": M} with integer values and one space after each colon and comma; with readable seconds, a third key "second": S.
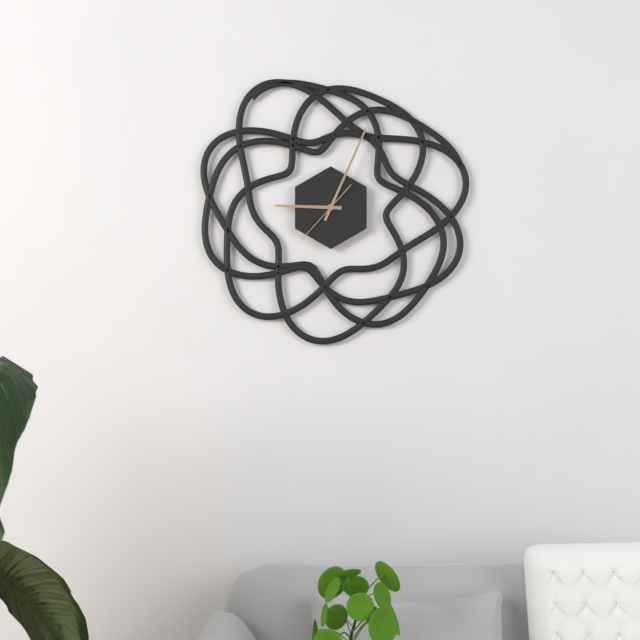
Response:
{"hour": 9, "minute": 4, "second": 37}
